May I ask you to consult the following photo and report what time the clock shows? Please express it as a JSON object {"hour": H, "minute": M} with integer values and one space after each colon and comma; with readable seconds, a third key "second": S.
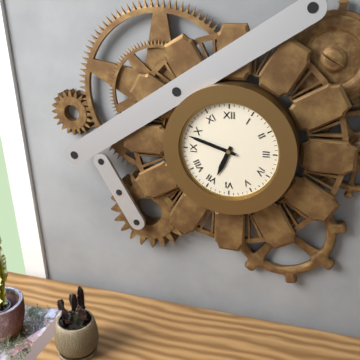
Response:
{"hour": 6, "minute": 48}
